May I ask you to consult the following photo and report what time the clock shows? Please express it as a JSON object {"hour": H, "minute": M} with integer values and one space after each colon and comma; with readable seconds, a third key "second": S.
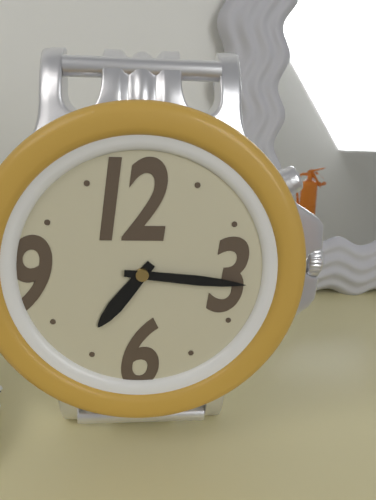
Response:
{"hour": 7, "minute": 16}
